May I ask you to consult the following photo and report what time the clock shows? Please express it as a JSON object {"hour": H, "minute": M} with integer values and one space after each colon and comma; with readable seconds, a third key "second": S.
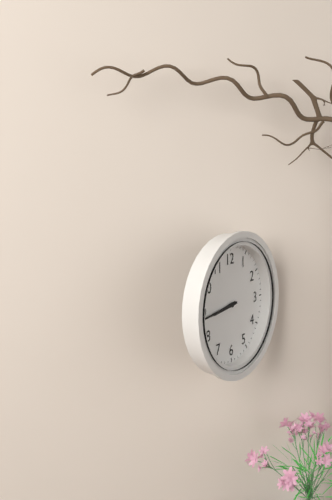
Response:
{"hour": 8, "minute": 44}
